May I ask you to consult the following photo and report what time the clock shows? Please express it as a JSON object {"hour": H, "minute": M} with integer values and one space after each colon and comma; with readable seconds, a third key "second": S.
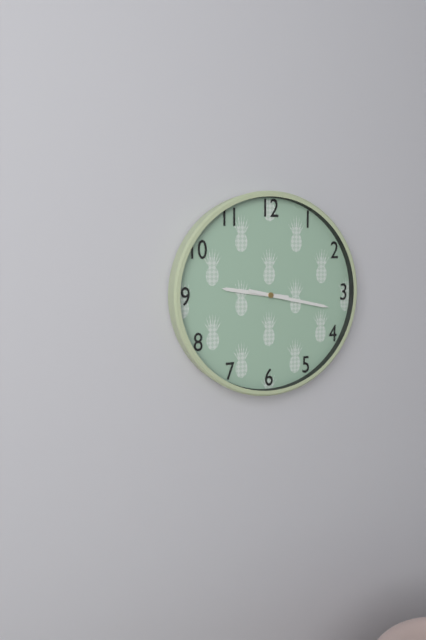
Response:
{"hour": 9, "minute": 17}
